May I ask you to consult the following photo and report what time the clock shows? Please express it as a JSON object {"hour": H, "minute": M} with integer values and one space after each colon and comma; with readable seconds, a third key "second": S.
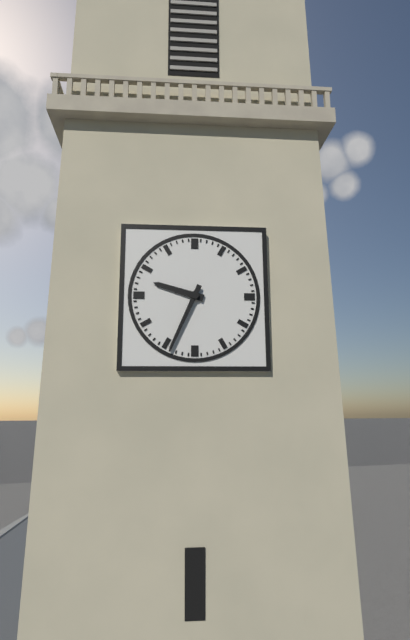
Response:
{"hour": 9, "minute": 34}
